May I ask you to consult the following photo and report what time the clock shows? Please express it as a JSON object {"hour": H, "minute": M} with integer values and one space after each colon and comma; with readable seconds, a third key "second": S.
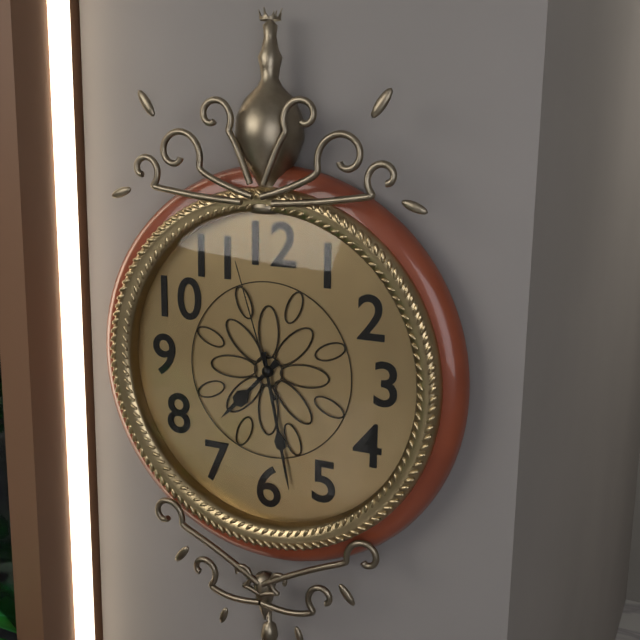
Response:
{"hour": 7, "minute": 28, "second": 57}
